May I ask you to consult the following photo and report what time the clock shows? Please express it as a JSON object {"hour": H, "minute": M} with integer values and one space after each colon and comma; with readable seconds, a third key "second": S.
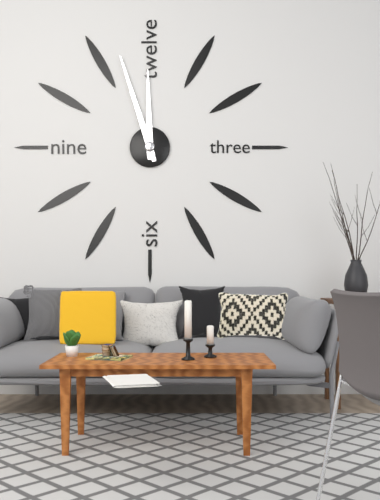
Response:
{"hour": 11, "minute": 57}
